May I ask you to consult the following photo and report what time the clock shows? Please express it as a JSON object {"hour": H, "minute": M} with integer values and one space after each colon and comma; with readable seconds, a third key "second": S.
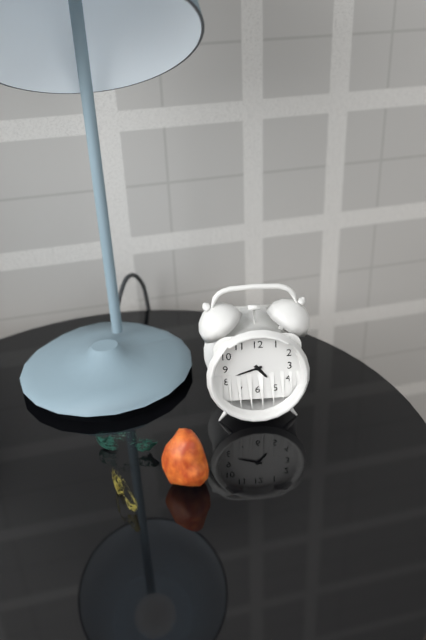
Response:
{"hour": 4, "minute": 42}
